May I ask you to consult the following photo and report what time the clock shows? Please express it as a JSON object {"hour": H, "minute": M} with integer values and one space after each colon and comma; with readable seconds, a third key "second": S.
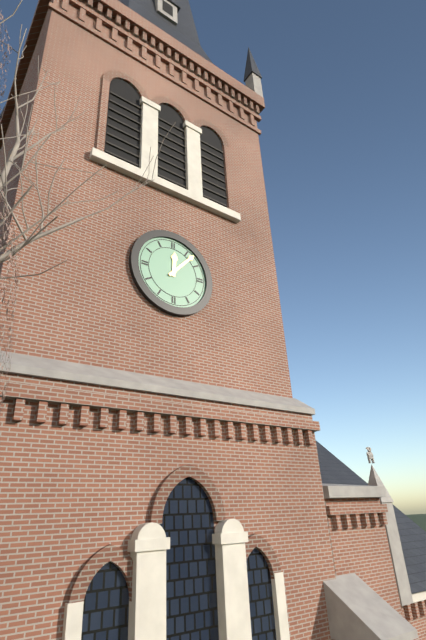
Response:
{"hour": 12, "minute": 7}
